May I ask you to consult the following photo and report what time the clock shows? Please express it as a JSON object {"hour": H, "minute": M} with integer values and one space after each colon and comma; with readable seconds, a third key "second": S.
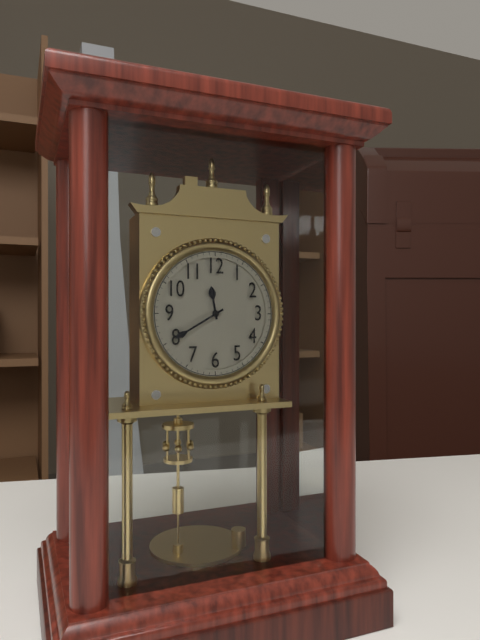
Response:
{"hour": 11, "minute": 40}
